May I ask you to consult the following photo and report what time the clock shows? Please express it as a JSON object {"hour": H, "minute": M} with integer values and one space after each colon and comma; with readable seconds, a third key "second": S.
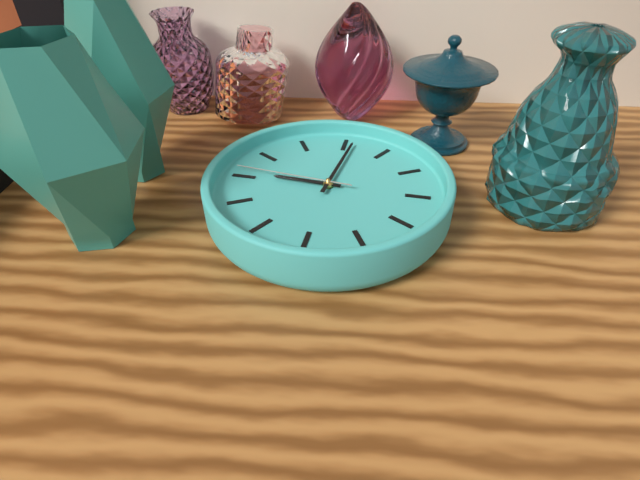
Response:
{"hour": 10, "minute": 6, "second": 51}
